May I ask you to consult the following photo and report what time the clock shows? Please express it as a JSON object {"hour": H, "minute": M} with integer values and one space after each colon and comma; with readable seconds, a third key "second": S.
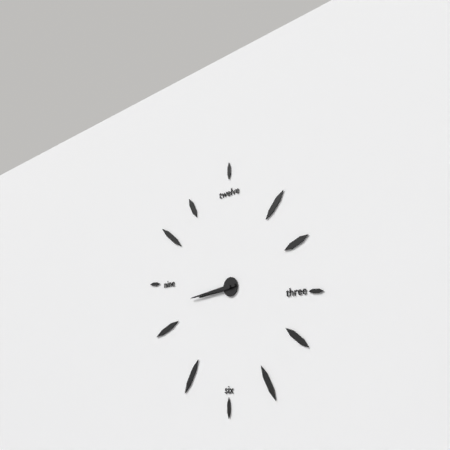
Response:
{"hour": 8, "minute": 44}
